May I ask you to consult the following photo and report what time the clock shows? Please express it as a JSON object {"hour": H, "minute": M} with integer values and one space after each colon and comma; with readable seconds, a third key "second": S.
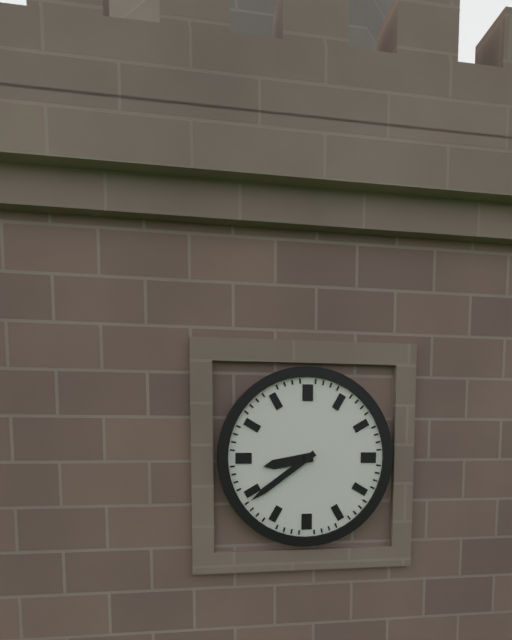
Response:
{"hour": 8, "minute": 39}
